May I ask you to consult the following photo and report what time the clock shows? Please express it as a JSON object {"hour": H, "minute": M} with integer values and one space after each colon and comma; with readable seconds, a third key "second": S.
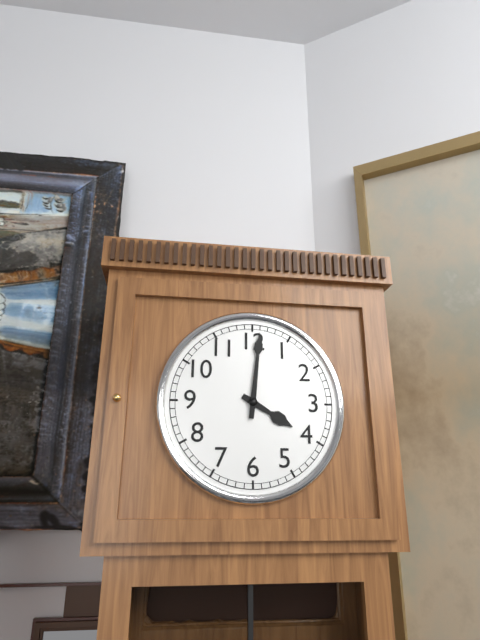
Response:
{"hour": 4, "minute": 1}
